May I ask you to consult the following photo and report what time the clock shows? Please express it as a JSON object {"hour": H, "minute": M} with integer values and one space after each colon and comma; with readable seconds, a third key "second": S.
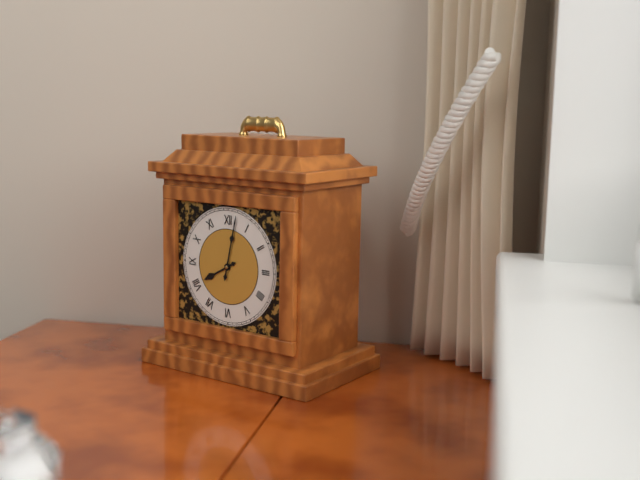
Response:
{"hour": 8, "minute": 2}
